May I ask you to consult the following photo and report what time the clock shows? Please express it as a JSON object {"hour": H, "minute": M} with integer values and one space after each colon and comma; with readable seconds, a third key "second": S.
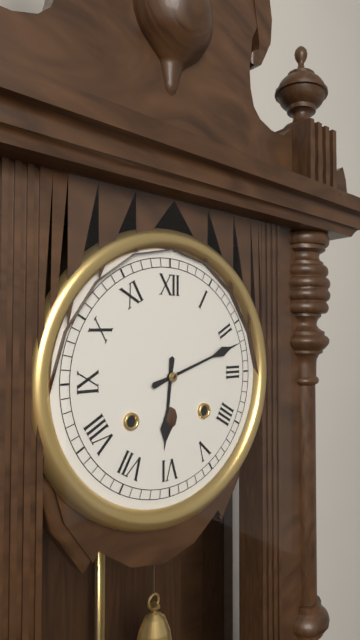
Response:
{"hour": 6, "minute": 12}
